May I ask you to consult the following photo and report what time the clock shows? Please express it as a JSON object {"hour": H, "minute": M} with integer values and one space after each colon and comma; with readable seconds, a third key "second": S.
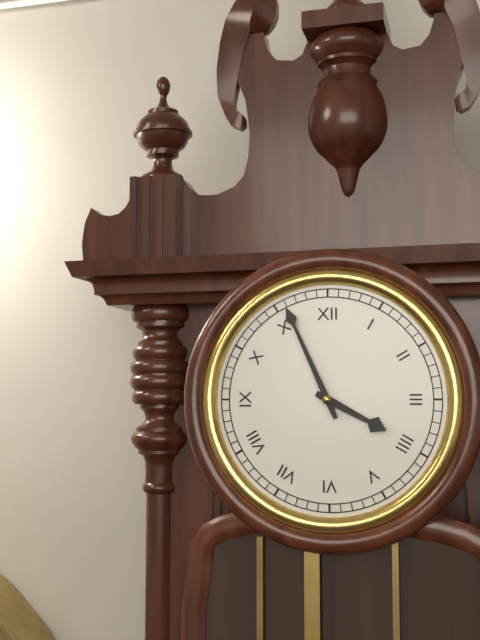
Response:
{"hour": 3, "minute": 56}
